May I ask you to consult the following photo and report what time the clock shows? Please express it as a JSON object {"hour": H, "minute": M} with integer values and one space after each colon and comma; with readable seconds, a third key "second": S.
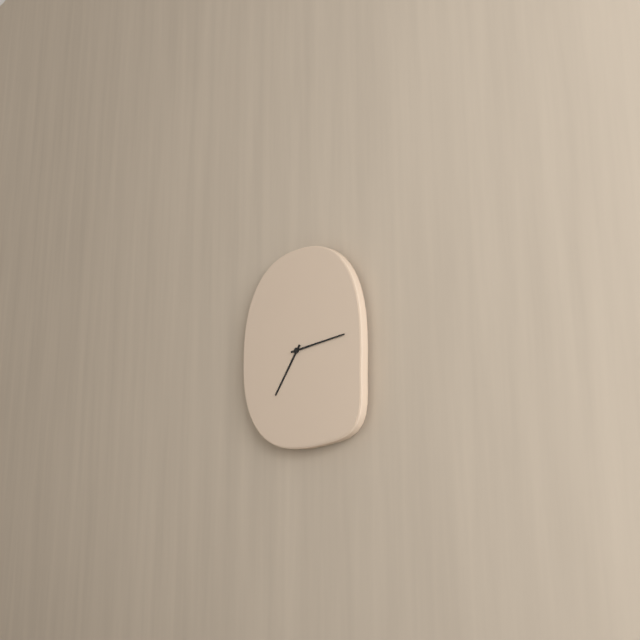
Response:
{"hour": 7, "minute": 14}
